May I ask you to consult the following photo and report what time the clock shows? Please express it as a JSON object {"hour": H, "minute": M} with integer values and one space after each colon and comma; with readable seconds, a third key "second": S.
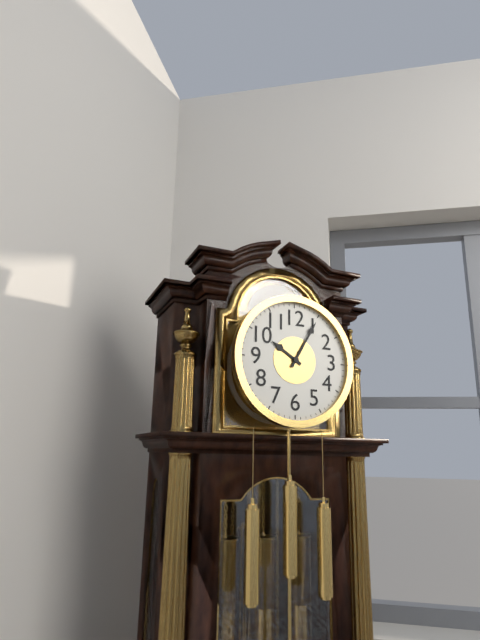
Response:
{"hour": 10, "minute": 5}
